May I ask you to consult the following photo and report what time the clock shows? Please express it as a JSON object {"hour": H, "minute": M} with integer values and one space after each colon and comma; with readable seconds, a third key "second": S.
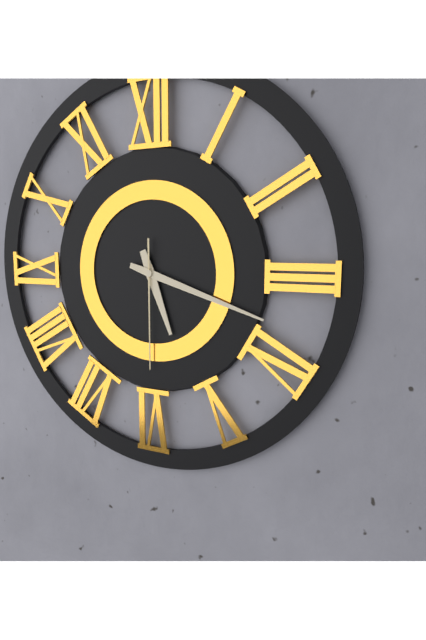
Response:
{"hour": 5, "minute": 18, "second": 30}
